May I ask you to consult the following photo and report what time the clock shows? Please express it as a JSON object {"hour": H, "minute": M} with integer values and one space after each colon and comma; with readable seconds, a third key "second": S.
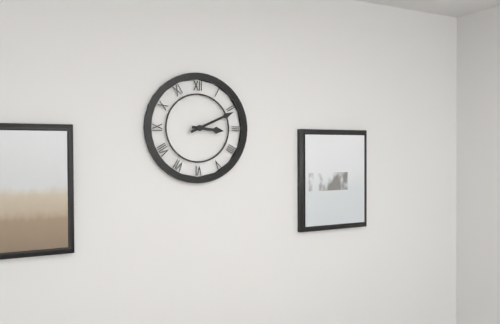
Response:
{"hour": 3, "minute": 11}
